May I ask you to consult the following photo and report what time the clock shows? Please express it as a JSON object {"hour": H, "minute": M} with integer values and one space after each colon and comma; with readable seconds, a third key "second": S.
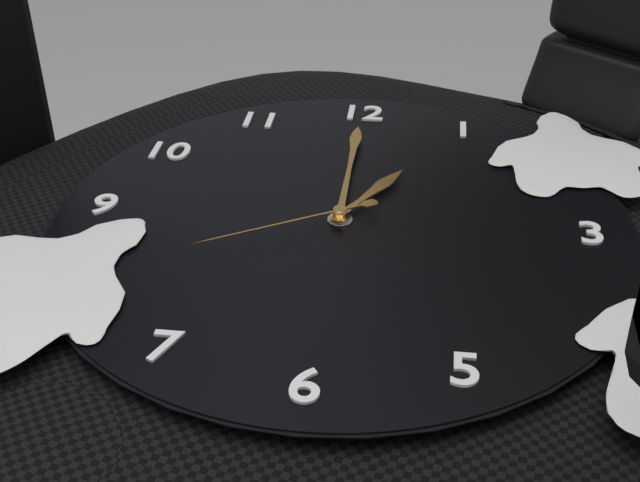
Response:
{"hour": 1, "minute": 0, "second": 40}
